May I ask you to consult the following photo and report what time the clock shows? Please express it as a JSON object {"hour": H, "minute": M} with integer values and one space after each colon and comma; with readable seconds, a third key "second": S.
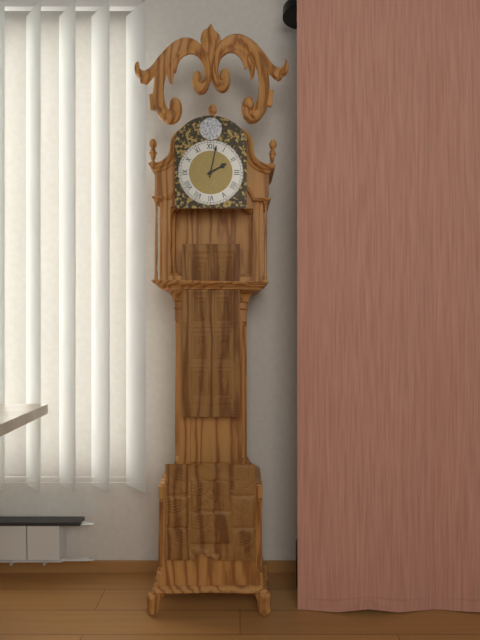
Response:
{"hour": 2, "minute": 2}
